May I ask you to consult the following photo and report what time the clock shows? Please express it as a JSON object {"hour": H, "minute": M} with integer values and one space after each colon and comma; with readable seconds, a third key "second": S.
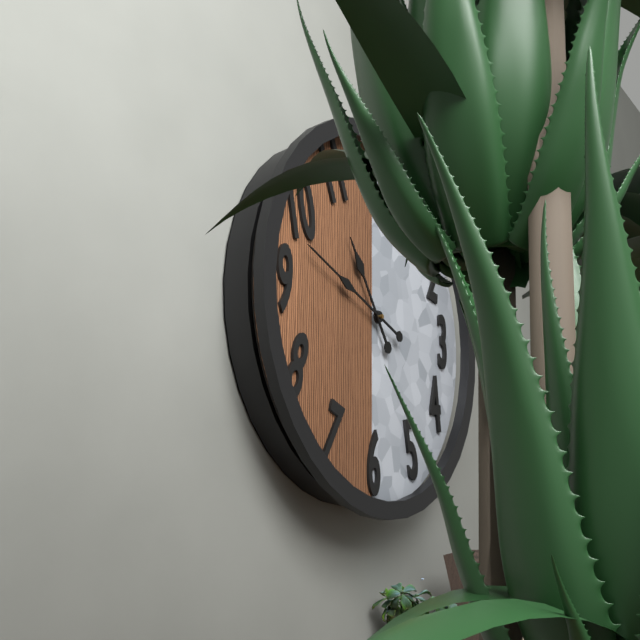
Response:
{"hour": 10, "minute": 48}
